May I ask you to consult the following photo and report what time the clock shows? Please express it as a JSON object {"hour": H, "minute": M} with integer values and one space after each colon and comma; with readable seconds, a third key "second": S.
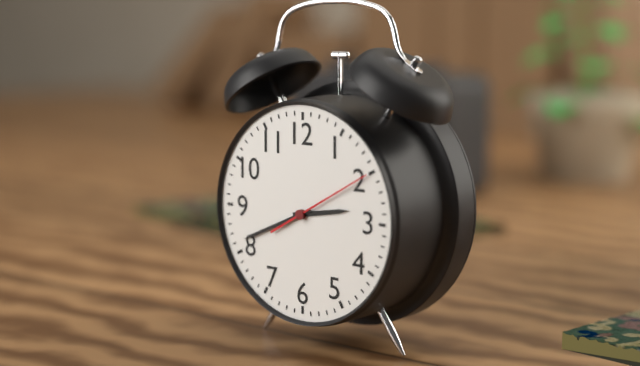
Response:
{"hour": 2, "minute": 41, "second": 10}
